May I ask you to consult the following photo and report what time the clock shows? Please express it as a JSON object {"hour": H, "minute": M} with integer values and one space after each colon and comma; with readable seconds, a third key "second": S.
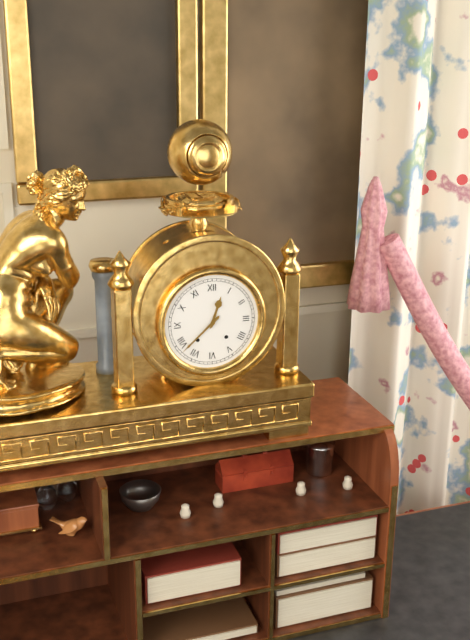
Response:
{"hour": 12, "minute": 38}
